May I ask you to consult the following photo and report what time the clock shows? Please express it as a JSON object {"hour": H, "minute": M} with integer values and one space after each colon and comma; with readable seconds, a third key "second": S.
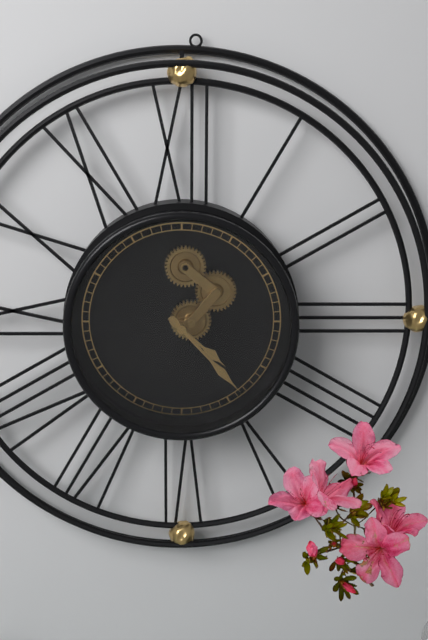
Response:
{"hour": 4, "minute": 23}
